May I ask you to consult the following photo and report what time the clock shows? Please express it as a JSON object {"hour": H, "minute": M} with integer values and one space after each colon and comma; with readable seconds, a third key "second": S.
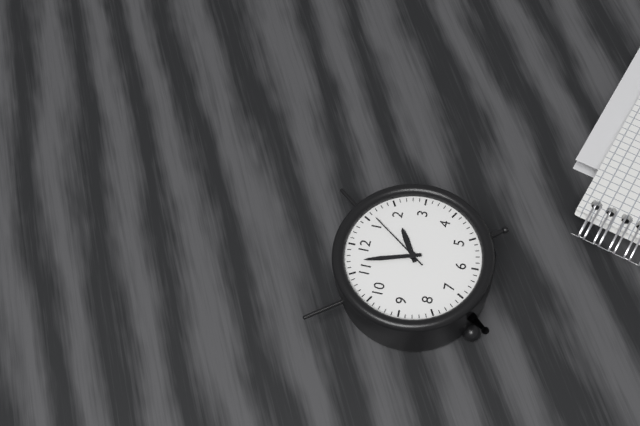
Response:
{"hour": 1, "minute": 57, "second": 6}
